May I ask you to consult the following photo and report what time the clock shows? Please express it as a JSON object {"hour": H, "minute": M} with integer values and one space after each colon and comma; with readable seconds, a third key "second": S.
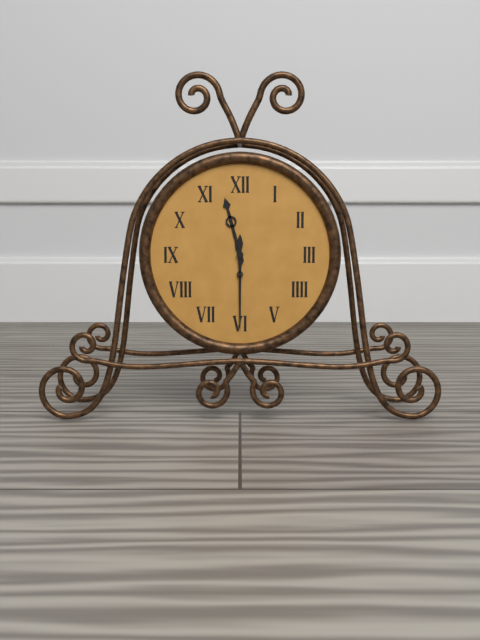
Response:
{"hour": 11, "minute": 30}
